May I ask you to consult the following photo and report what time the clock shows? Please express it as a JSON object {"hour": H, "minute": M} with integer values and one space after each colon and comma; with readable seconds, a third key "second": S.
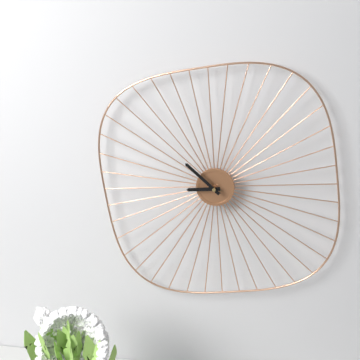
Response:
{"hour": 8, "minute": 52}
